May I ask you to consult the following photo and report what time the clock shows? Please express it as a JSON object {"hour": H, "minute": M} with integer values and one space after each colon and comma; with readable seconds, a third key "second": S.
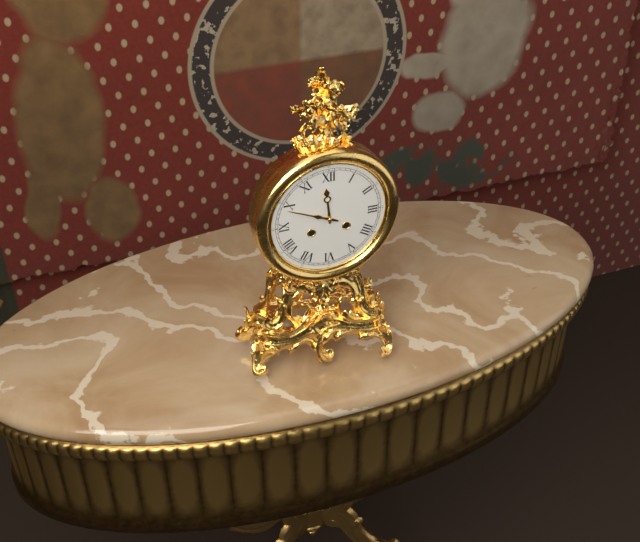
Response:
{"hour": 11, "minute": 49}
